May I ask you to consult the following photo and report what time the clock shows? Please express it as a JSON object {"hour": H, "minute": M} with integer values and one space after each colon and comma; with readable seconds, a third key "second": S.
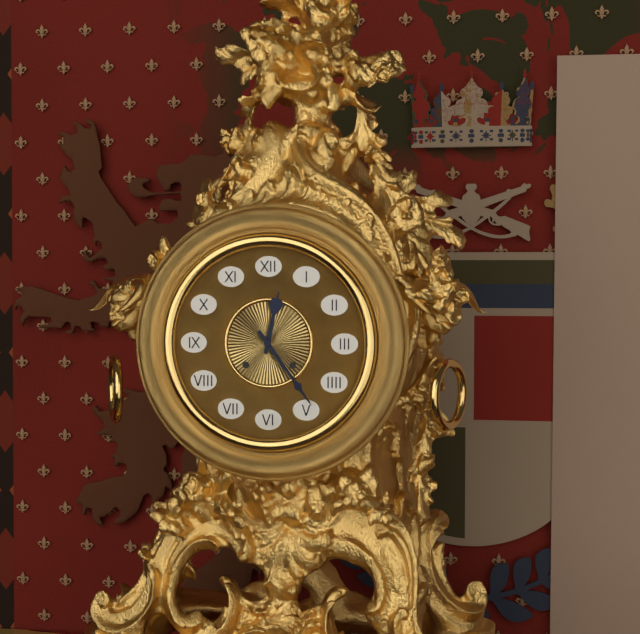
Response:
{"hour": 12, "minute": 24}
